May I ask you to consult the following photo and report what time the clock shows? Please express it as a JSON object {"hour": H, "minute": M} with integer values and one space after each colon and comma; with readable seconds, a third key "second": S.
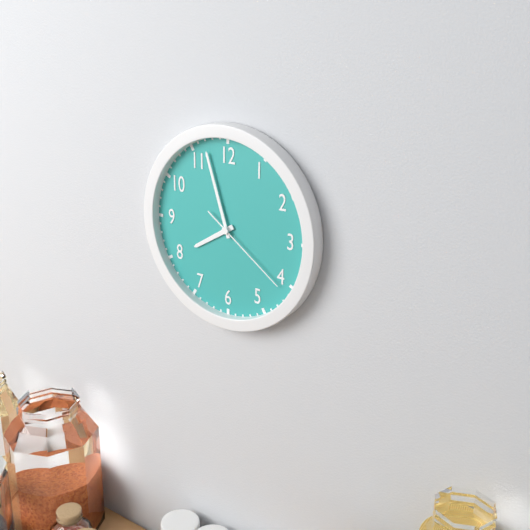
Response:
{"hour": 7, "minute": 57, "second": 21}
